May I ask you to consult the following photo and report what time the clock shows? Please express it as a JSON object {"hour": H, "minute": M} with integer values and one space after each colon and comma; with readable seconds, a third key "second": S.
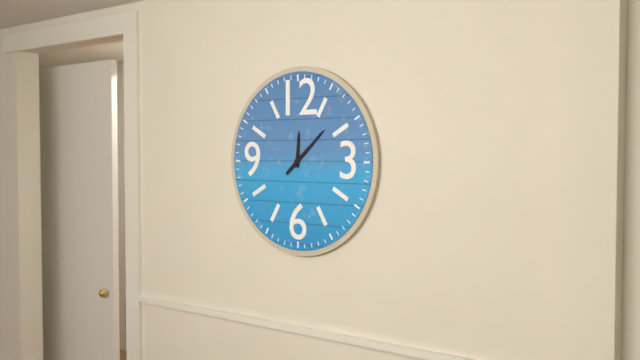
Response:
{"hour": 12, "minute": 8}
